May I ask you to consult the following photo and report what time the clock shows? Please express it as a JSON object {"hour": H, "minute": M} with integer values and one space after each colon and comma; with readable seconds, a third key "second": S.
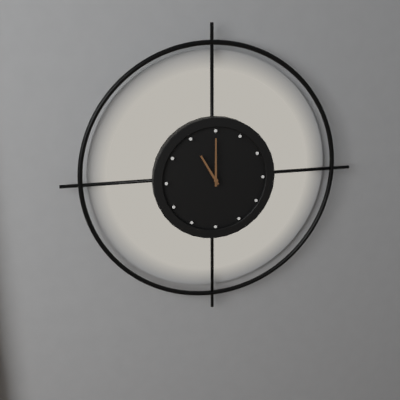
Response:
{"hour": 11, "minute": 0}
